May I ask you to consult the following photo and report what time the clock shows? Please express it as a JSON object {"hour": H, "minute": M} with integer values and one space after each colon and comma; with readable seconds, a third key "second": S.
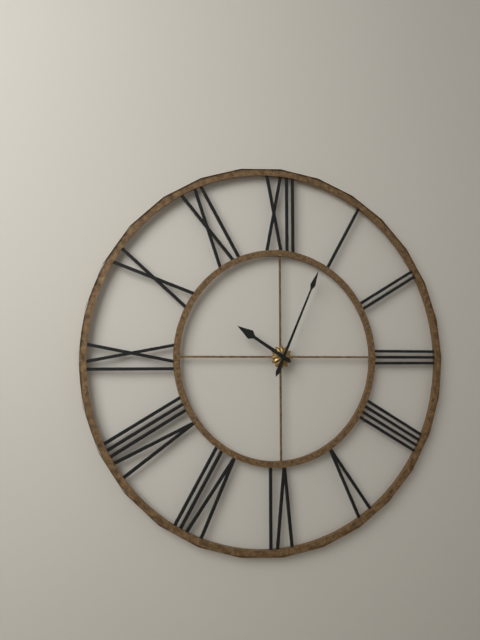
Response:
{"hour": 10, "minute": 4}
